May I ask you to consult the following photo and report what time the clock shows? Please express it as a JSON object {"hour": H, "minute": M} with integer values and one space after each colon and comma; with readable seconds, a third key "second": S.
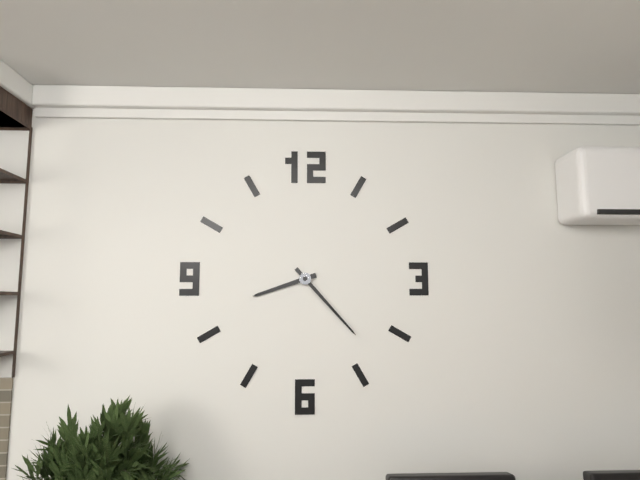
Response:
{"hour": 8, "minute": 23}
